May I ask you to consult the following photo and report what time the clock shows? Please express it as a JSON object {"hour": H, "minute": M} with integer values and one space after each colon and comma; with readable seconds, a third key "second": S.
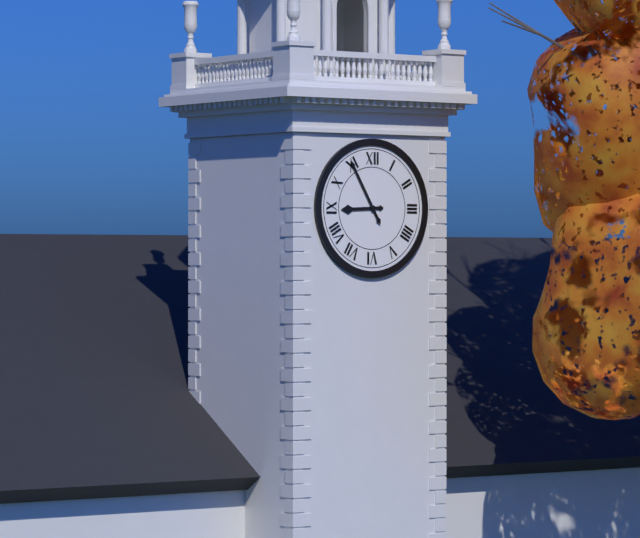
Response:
{"hour": 8, "minute": 55}
